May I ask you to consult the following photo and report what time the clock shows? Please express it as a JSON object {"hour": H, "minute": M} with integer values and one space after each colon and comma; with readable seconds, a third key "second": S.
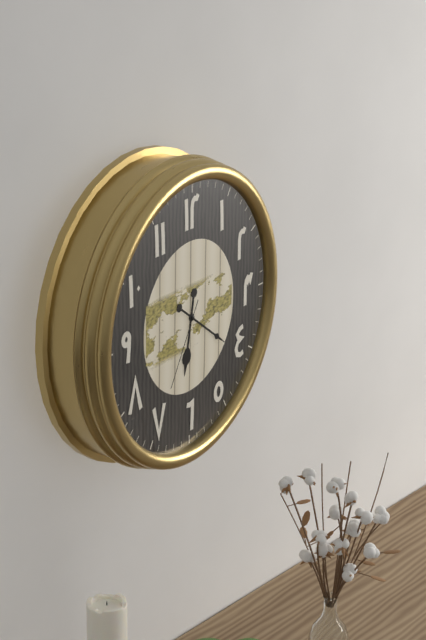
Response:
{"hour": 6, "minute": 21, "second": 35}
